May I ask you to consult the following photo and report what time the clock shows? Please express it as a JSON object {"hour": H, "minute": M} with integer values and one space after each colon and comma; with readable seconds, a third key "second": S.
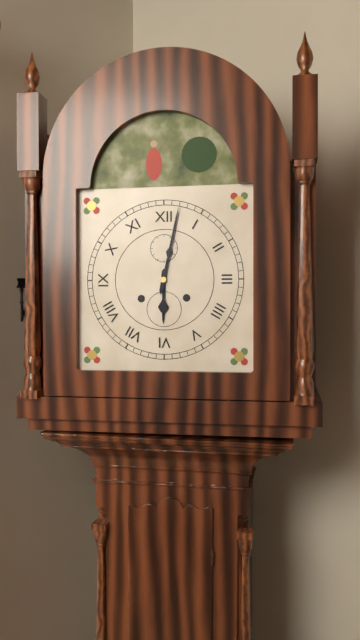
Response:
{"hour": 6, "minute": 2}
